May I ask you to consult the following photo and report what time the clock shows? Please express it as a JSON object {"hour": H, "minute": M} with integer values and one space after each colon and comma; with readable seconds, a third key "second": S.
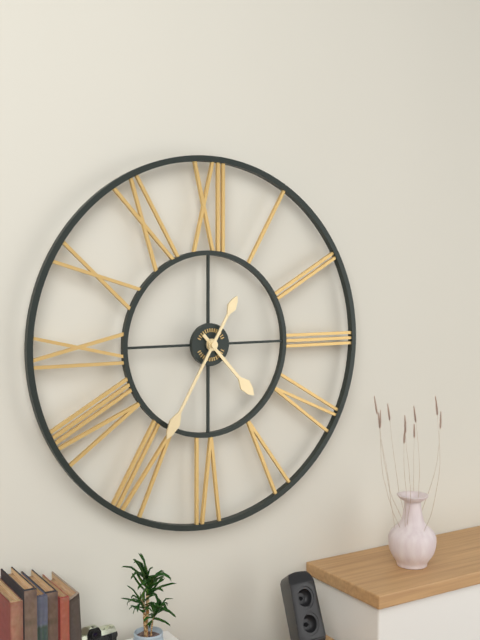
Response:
{"hour": 4, "minute": 35}
